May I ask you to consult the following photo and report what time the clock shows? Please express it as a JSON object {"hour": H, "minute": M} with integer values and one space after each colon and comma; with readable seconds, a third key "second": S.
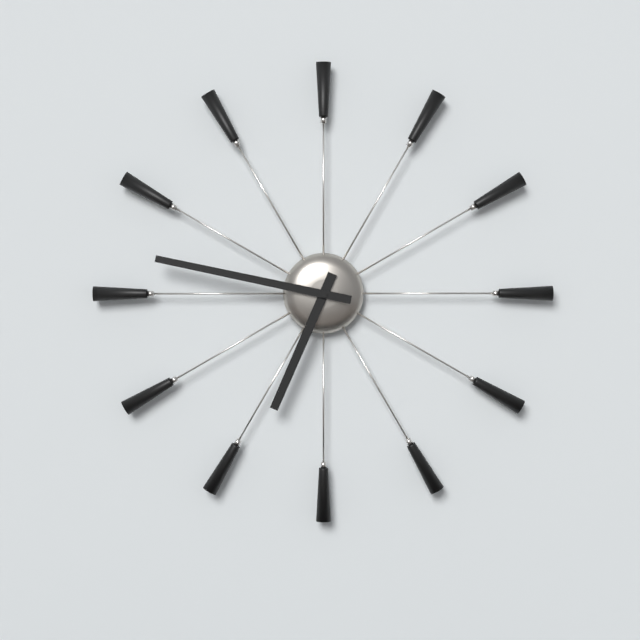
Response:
{"hour": 6, "minute": 47}
